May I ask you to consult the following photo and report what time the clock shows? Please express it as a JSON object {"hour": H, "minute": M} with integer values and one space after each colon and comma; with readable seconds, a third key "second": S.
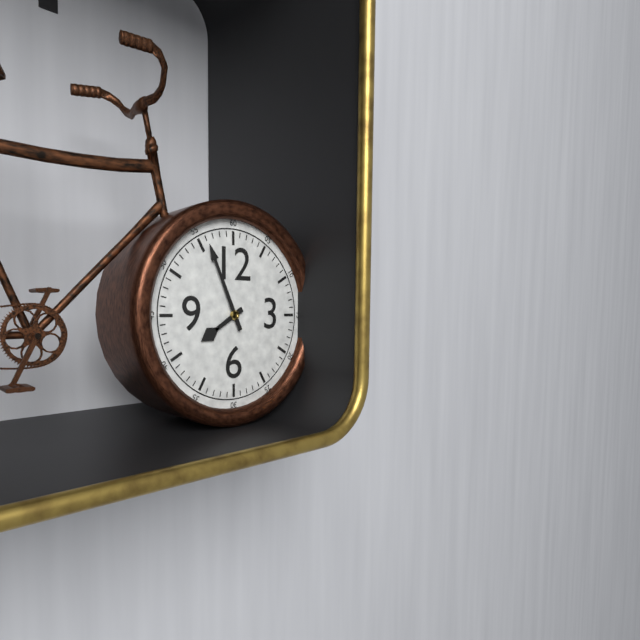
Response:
{"hour": 7, "minute": 56}
